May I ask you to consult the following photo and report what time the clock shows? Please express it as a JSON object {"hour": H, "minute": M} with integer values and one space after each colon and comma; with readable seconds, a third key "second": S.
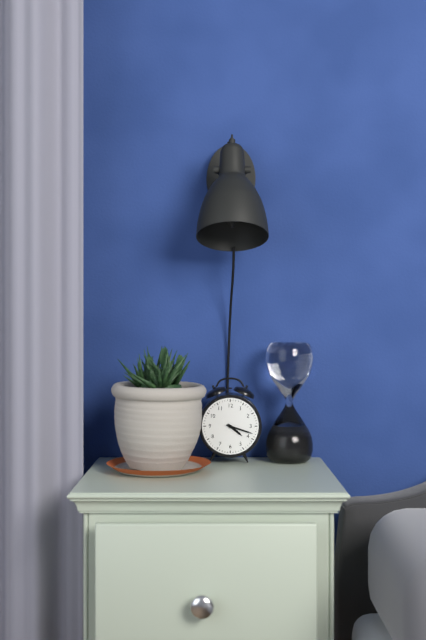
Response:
{"hour": 4, "minute": 18}
